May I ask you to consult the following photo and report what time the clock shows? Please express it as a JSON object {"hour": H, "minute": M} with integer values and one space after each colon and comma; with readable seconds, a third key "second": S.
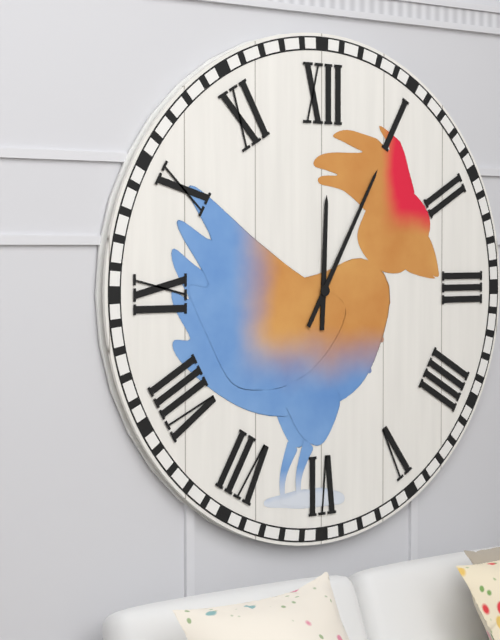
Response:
{"hour": 12, "minute": 5}
